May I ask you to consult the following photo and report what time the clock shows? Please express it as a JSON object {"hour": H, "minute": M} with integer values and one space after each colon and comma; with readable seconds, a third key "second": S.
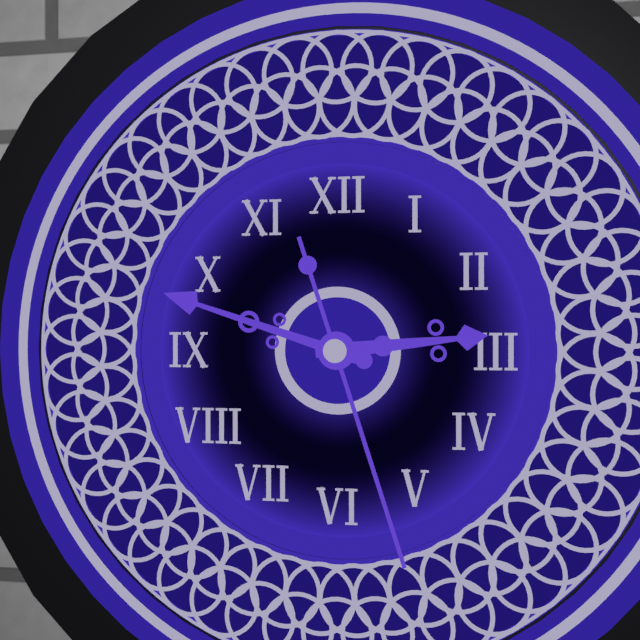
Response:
{"hour": 2, "minute": 48, "second": 27}
